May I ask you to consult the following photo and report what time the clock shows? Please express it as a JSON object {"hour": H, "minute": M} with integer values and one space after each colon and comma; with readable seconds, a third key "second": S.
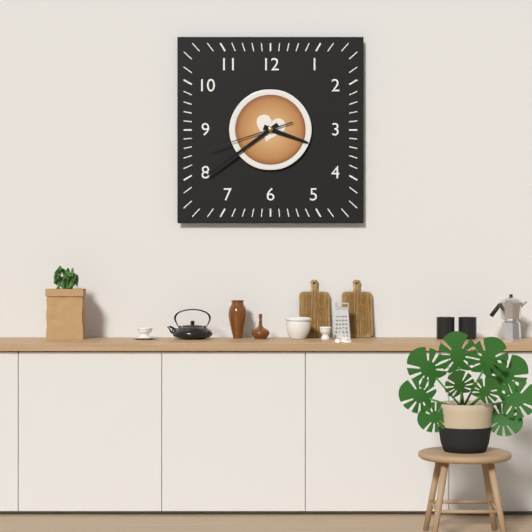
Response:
{"hour": 3, "minute": 39, "second": 42}
